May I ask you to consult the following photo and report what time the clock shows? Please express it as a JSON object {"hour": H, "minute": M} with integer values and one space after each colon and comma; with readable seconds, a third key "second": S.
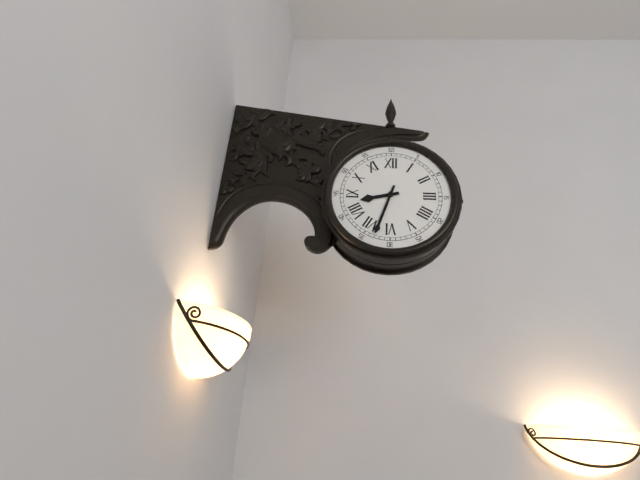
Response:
{"hour": 8, "minute": 33}
